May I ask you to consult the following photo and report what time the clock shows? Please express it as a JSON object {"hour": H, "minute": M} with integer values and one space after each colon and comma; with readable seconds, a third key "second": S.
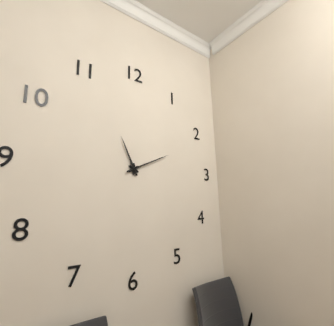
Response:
{"hour": 11, "minute": 11}
